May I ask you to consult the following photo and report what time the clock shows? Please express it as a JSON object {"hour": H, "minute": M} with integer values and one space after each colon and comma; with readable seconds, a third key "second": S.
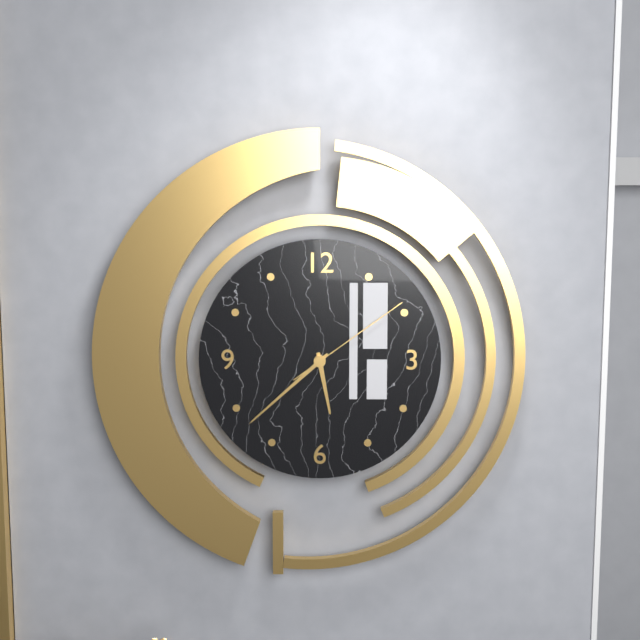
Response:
{"hour": 5, "minute": 38, "second": 9}
